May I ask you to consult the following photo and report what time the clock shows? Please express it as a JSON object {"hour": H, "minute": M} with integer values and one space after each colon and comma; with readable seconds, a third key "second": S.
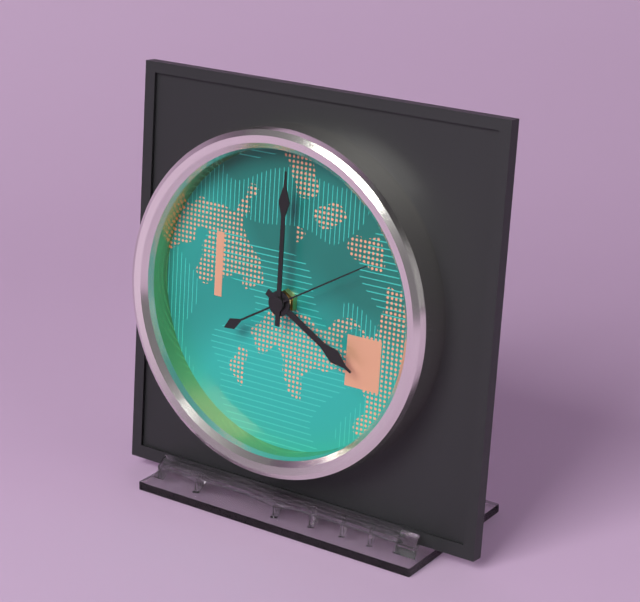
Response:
{"hour": 4, "minute": 0, "second": 10}
